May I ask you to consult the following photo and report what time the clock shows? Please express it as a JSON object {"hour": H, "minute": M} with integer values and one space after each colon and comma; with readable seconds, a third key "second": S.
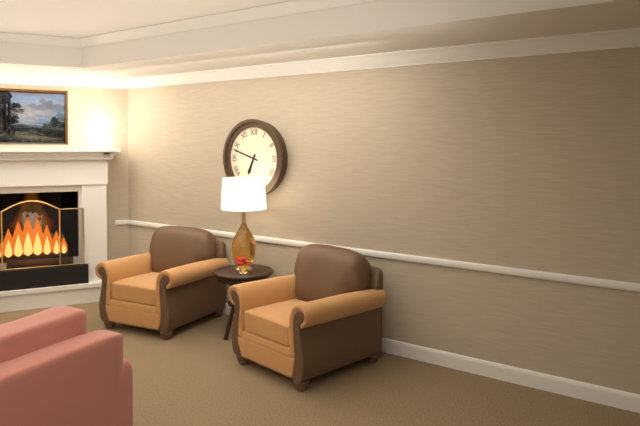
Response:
{"hour": 6, "minute": 48}
